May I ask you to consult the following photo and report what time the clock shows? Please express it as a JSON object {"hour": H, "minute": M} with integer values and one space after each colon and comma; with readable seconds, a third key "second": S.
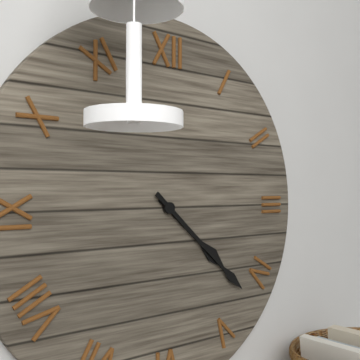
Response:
{"hour": 4, "minute": 22}
